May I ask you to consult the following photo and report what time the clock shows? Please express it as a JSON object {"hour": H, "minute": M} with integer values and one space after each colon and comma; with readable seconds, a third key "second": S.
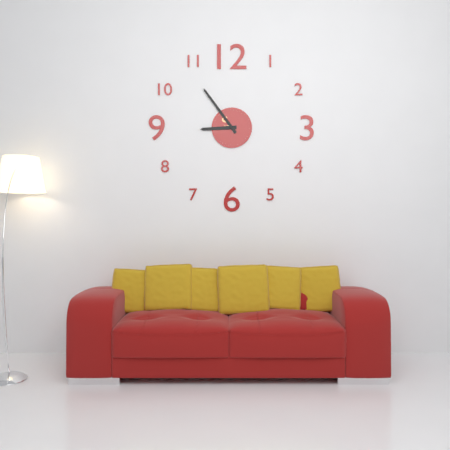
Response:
{"hour": 8, "minute": 54}
